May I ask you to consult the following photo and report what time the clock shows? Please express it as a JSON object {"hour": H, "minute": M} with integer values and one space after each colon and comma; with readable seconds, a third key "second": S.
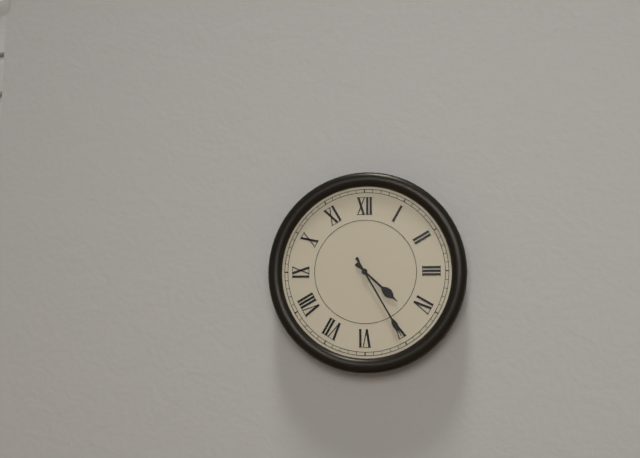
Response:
{"hour": 4, "minute": 25}
